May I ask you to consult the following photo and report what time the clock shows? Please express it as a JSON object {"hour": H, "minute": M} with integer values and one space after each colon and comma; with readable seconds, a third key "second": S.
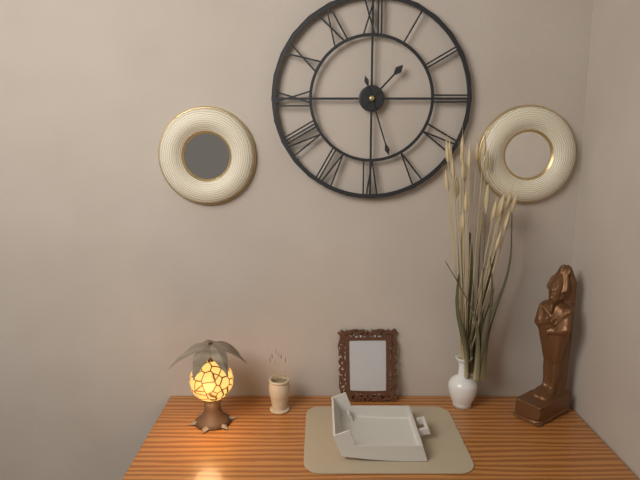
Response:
{"hour": 1, "minute": 27}
